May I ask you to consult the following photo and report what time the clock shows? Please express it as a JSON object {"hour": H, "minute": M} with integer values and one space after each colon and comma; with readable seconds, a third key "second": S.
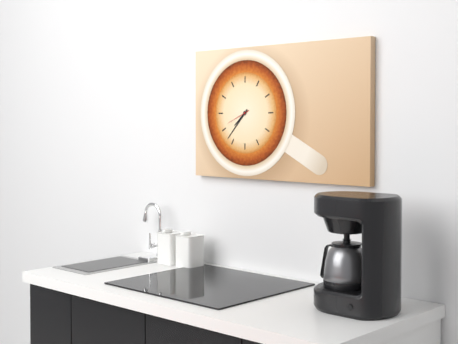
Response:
{"hour": 7, "minute": 37}
